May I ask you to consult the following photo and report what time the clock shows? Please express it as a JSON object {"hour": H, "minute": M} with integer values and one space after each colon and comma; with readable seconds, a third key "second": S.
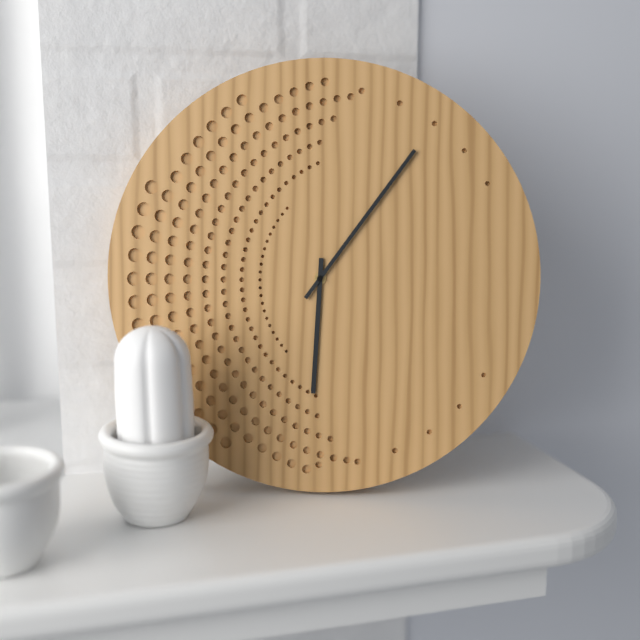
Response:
{"hour": 6, "minute": 6}
